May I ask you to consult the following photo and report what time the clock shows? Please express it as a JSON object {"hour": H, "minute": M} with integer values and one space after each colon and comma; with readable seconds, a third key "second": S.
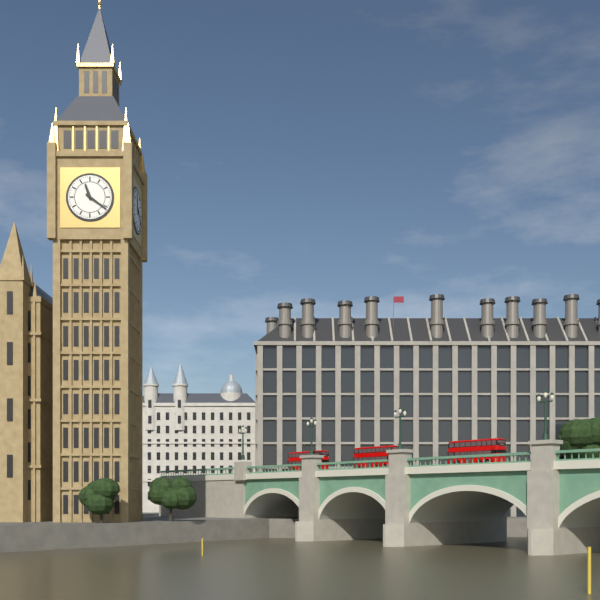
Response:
{"hour": 11, "minute": 21}
